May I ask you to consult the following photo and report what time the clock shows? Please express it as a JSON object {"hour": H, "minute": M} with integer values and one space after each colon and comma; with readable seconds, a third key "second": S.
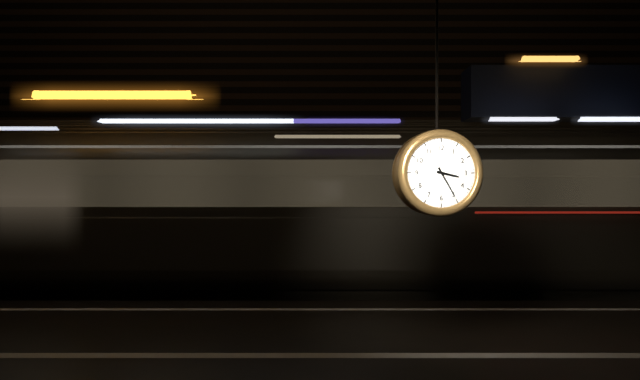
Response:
{"hour": 3, "minute": 25}
